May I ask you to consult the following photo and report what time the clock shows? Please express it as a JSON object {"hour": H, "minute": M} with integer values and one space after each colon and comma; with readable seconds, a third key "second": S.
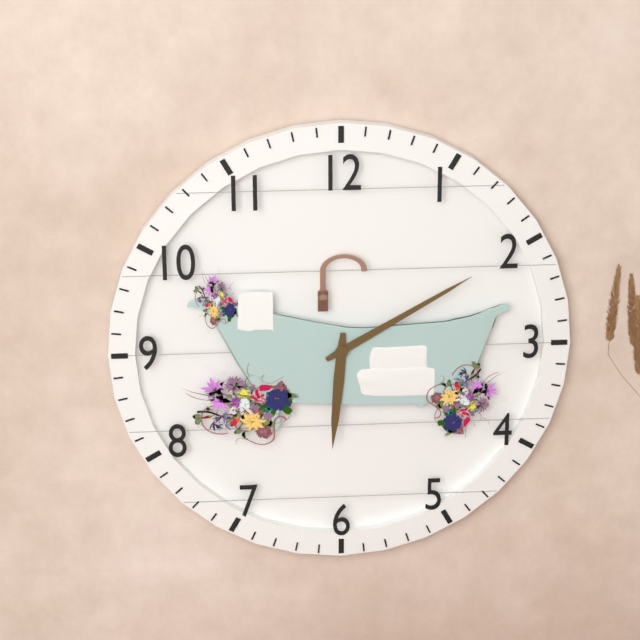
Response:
{"hour": 6, "minute": 10}
